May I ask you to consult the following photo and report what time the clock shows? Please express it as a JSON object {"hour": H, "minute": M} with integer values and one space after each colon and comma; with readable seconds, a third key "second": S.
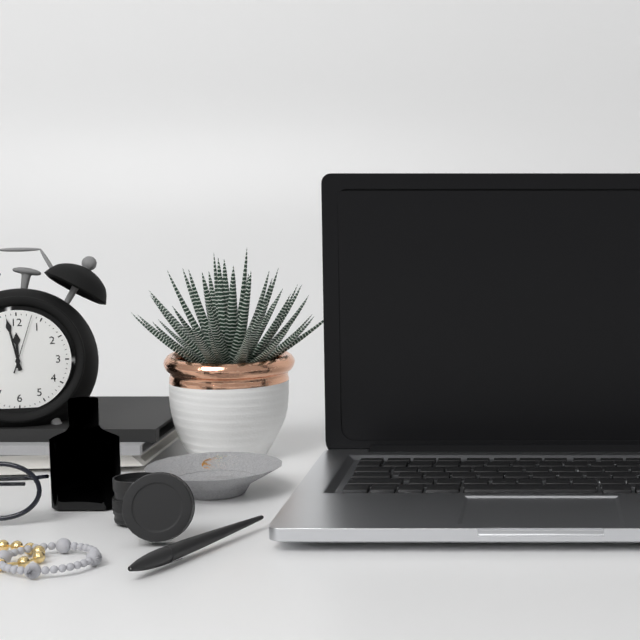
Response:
{"hour": 11, "minute": 58, "second": 3}
